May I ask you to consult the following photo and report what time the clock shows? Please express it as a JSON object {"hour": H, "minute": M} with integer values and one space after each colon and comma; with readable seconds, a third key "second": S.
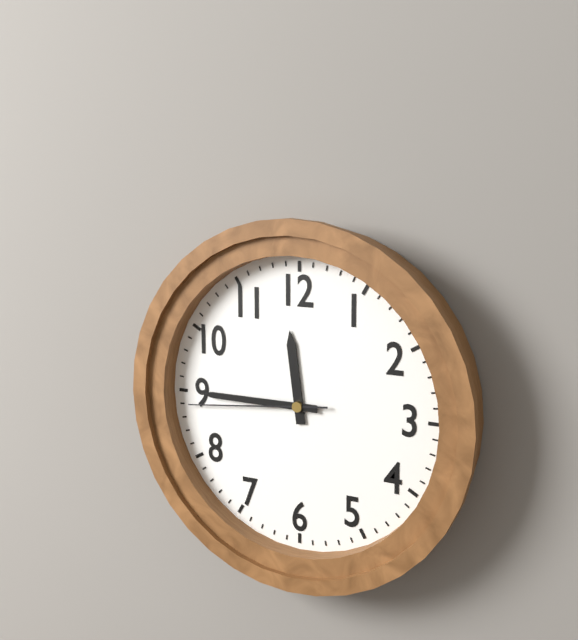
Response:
{"hour": 11, "minute": 45, "second": 44}
